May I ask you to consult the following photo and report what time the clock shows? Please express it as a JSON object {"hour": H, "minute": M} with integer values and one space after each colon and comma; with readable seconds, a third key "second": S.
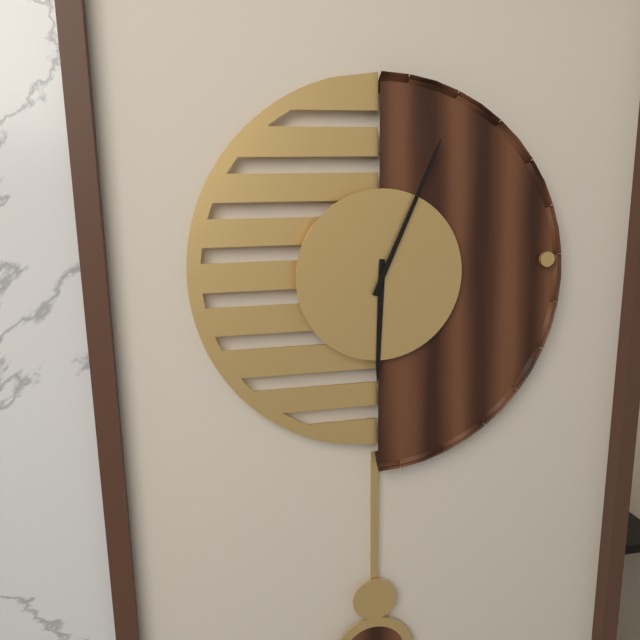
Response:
{"hour": 6, "minute": 4}
